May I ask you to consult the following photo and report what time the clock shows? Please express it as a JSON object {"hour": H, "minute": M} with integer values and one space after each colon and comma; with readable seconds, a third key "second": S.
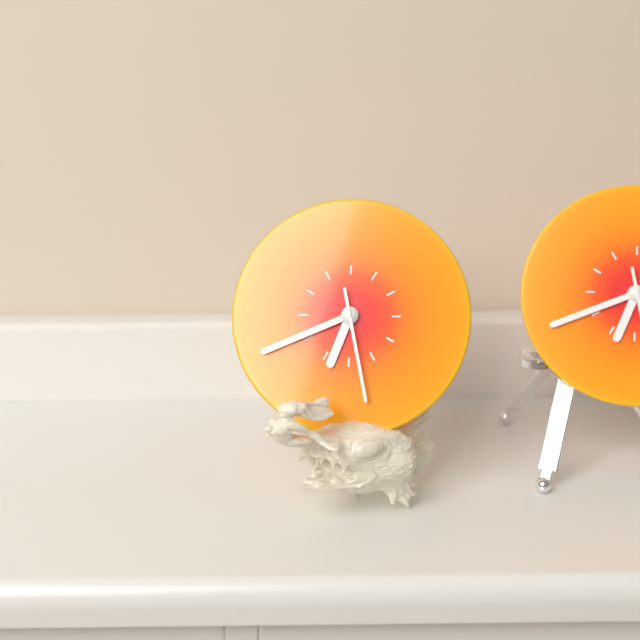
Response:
{"hour": 6, "minute": 41, "second": 28}
